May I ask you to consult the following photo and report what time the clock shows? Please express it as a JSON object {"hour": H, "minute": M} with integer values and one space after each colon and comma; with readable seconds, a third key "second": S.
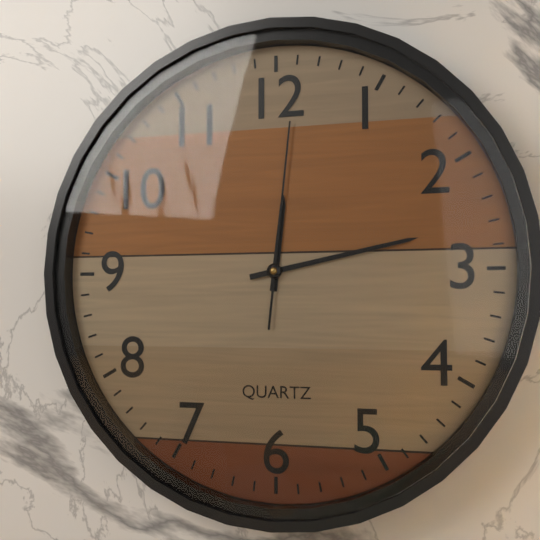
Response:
{"hour": 12, "minute": 13, "second": 1}
